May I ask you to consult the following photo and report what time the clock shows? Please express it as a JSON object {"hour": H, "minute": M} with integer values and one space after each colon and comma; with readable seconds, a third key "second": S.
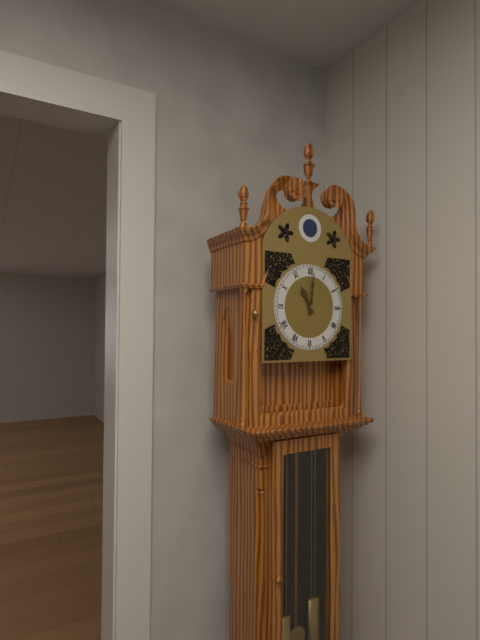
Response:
{"hour": 11, "minute": 1}
